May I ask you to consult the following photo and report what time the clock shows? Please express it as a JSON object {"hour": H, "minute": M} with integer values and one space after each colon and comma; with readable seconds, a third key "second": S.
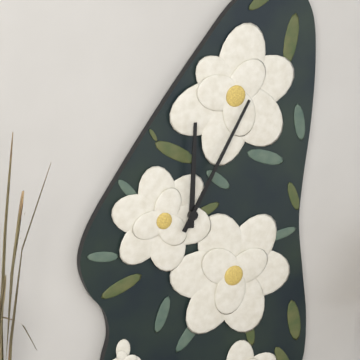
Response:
{"hour": 12, "minute": 5}
